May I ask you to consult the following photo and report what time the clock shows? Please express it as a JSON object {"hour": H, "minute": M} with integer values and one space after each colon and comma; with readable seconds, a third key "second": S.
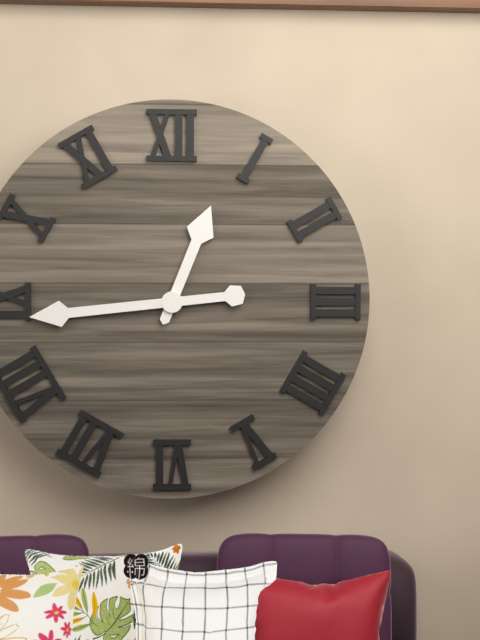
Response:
{"hour": 12, "minute": 44}
